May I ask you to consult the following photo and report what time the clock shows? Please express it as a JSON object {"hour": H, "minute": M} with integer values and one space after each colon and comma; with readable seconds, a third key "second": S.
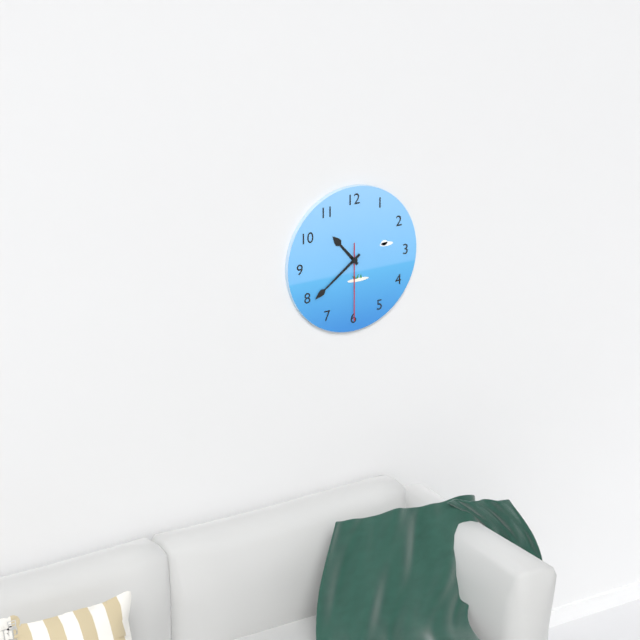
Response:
{"hour": 10, "minute": 39, "second": 30}
